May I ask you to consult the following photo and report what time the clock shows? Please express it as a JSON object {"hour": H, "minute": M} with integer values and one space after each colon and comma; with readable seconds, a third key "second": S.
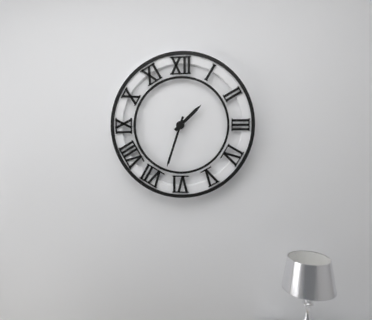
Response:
{"hour": 1, "minute": 33}
